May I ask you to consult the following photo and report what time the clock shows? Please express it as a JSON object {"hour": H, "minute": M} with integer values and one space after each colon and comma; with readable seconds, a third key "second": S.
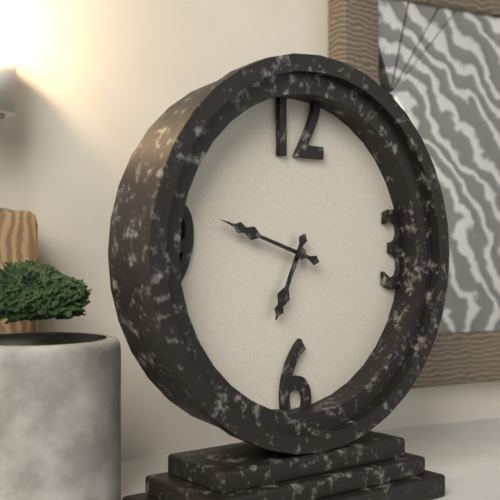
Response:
{"hour": 6, "minute": 48}
